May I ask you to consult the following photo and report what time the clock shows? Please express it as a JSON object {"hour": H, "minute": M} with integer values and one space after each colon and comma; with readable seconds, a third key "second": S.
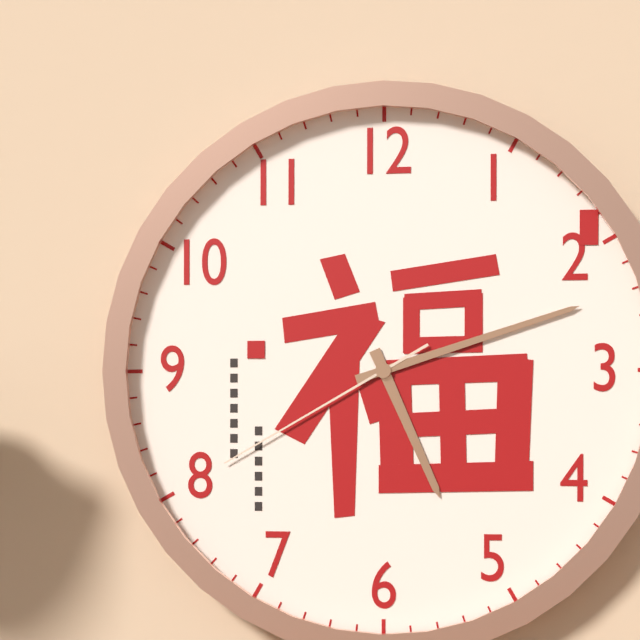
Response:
{"hour": 5, "minute": 12, "second": 40}
